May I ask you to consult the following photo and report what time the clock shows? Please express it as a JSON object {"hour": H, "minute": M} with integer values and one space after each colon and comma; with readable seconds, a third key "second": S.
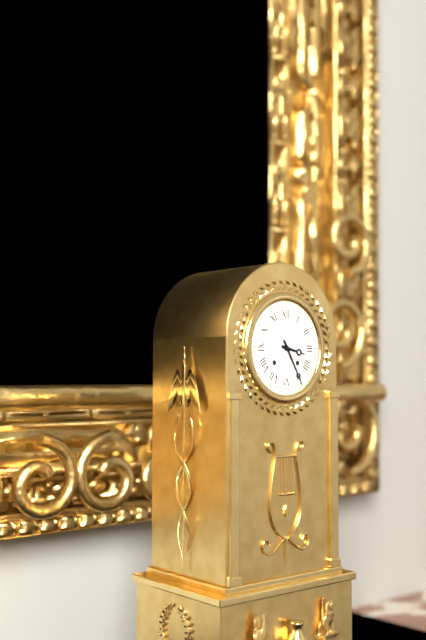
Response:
{"hour": 3, "minute": 25}
